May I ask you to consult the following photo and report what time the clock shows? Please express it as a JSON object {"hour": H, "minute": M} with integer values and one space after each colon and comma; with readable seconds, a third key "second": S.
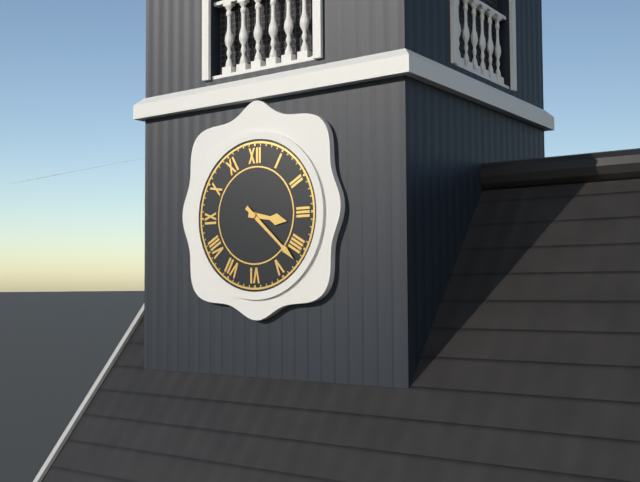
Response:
{"hour": 3, "minute": 22}
